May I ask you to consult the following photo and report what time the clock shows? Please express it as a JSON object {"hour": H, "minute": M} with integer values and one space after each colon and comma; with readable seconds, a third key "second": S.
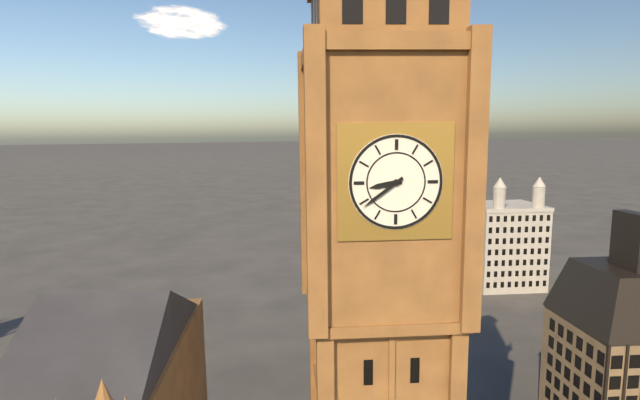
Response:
{"hour": 8, "minute": 39}
